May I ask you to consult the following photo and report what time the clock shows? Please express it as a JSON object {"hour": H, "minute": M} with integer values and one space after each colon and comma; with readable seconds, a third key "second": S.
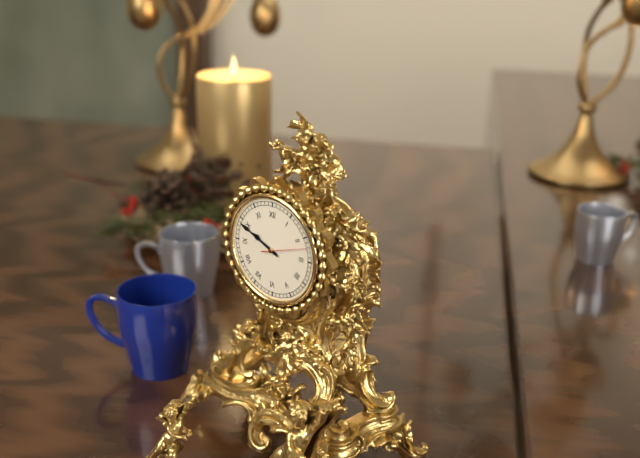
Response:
{"hour": 9, "minute": 49}
